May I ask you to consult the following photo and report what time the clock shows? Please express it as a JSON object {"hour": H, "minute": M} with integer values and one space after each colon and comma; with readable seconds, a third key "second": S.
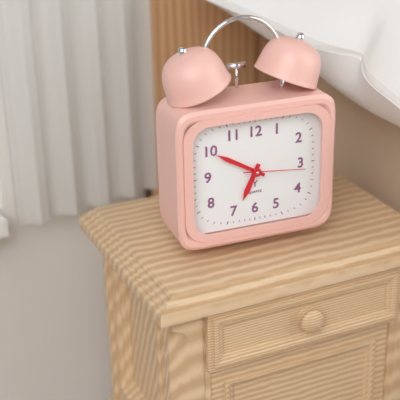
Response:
{"hour": 6, "minute": 50, "second": 16}
